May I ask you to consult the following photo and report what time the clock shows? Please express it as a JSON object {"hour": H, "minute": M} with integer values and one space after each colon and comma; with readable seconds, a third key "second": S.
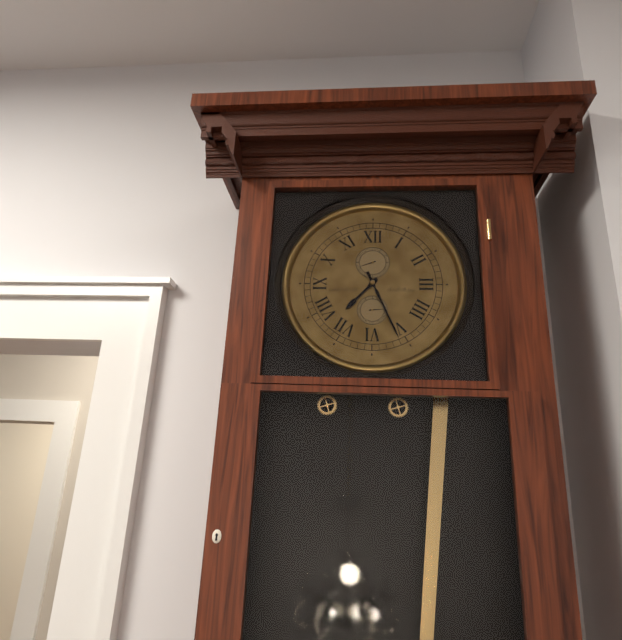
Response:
{"hour": 7, "minute": 26}
